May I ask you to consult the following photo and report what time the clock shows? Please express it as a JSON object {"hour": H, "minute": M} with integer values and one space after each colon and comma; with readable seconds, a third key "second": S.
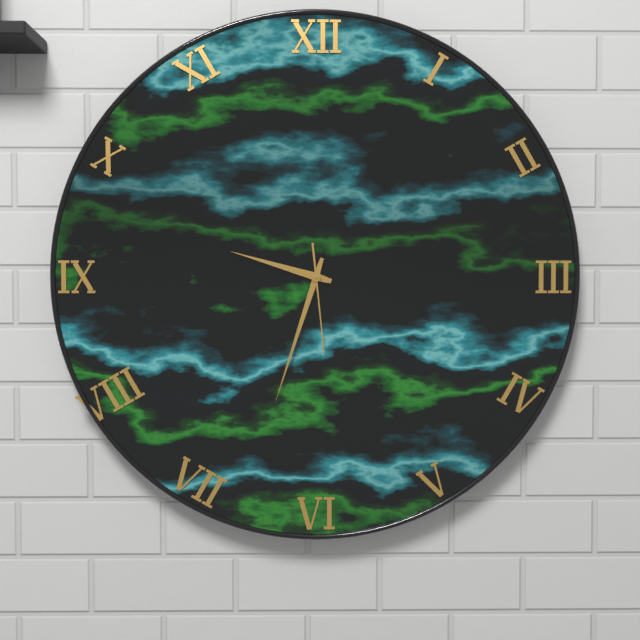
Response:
{"hour": 9, "minute": 33, "second": 29}
